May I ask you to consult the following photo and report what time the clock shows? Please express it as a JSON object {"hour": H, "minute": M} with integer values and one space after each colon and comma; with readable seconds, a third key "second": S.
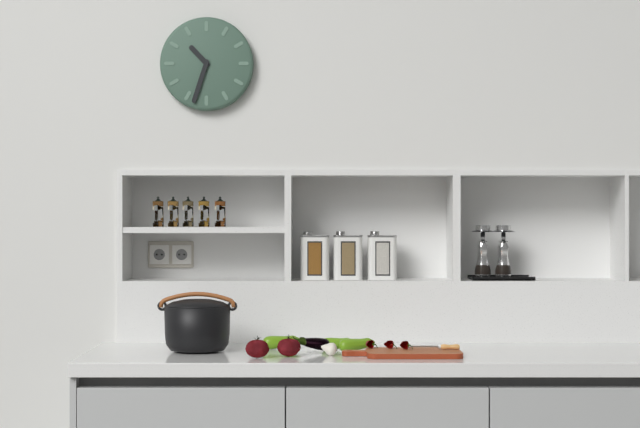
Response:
{"hour": 10, "minute": 33}
